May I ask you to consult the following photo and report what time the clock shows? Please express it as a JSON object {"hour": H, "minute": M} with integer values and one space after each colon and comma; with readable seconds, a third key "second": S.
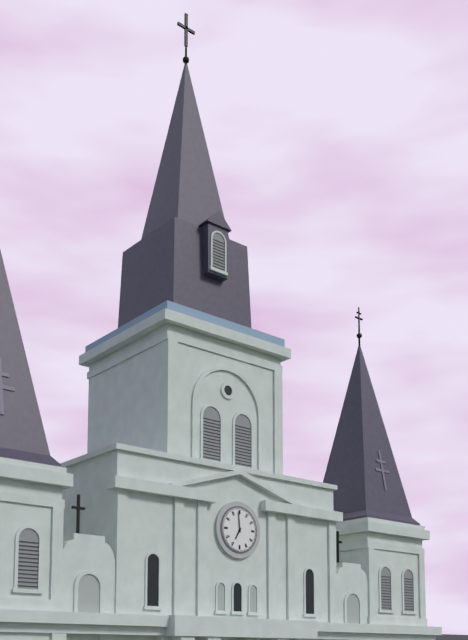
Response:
{"hour": 6, "minute": 59}
